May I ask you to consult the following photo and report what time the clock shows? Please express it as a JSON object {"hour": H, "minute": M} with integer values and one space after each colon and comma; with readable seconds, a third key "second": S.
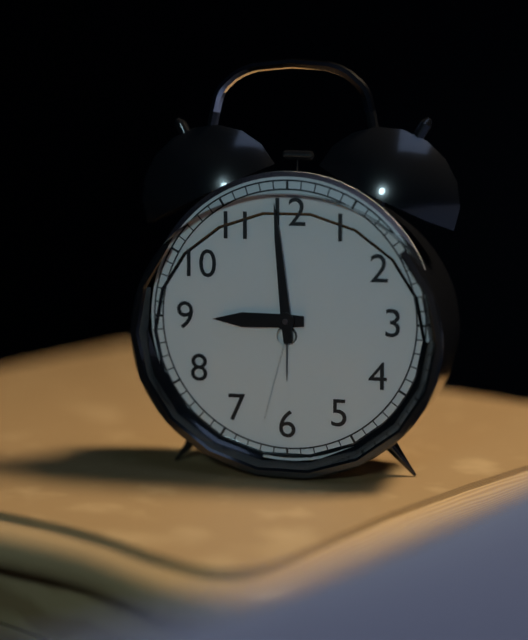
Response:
{"hour": 8, "minute": 59}
